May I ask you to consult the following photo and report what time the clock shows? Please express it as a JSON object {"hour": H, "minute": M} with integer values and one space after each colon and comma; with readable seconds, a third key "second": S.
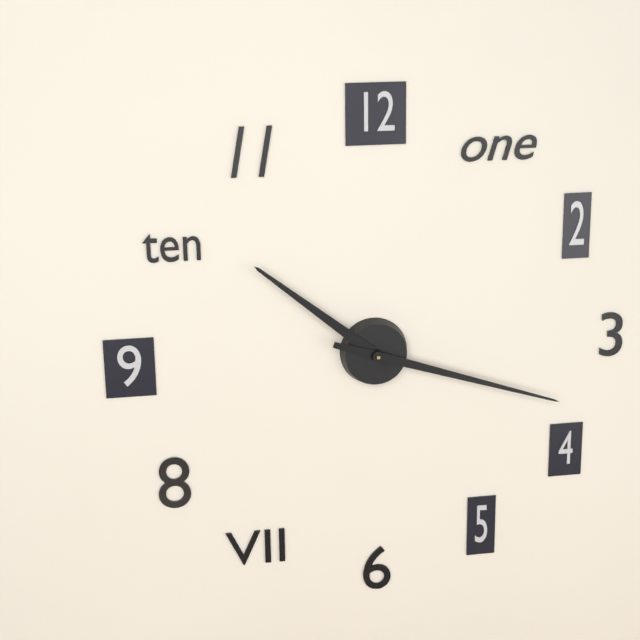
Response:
{"hour": 10, "minute": 18}
